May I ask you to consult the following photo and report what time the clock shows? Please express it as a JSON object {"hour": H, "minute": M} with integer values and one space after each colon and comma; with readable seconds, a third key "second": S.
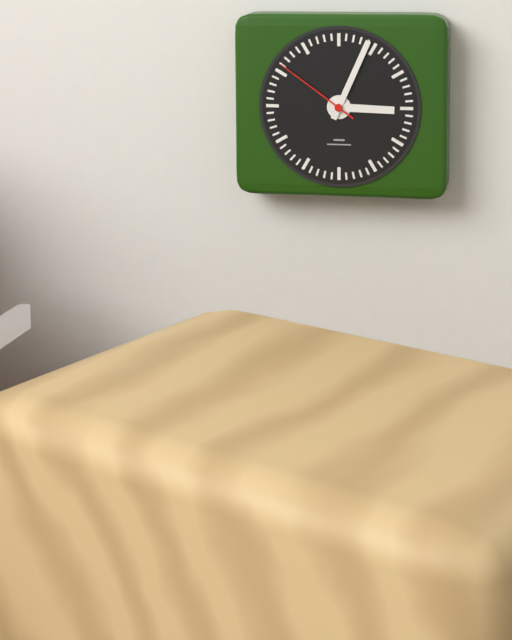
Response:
{"hour": 3, "minute": 4, "second": 51}
